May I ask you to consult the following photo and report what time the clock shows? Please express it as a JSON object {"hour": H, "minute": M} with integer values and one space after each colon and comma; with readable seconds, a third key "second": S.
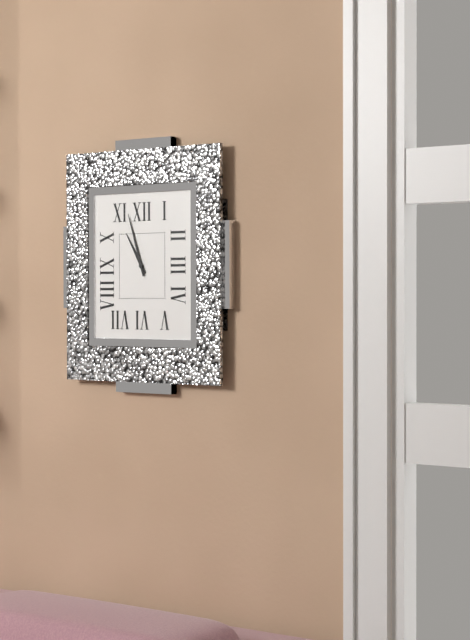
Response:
{"hour": 10, "minute": 57}
